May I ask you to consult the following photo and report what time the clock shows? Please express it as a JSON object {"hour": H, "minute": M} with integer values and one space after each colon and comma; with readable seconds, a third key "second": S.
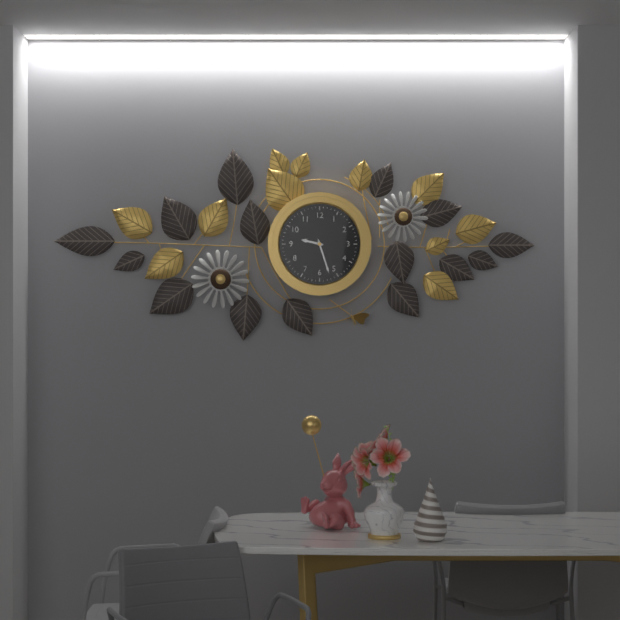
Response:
{"hour": 9, "minute": 27}
